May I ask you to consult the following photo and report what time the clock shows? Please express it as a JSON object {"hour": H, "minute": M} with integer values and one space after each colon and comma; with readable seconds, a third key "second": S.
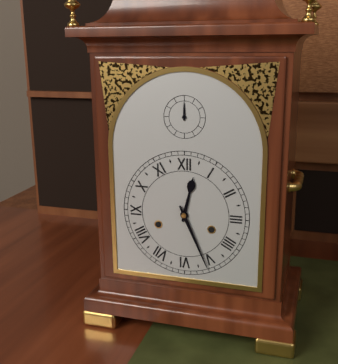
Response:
{"hour": 12, "minute": 26}
